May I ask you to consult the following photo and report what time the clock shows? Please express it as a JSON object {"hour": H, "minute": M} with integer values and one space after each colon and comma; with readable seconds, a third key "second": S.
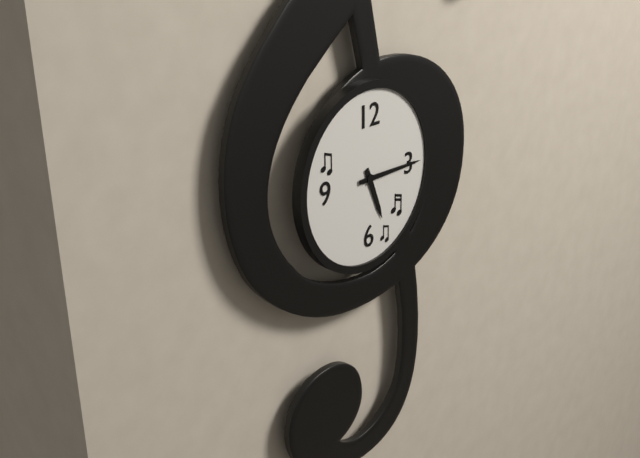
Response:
{"hour": 5, "minute": 15}
